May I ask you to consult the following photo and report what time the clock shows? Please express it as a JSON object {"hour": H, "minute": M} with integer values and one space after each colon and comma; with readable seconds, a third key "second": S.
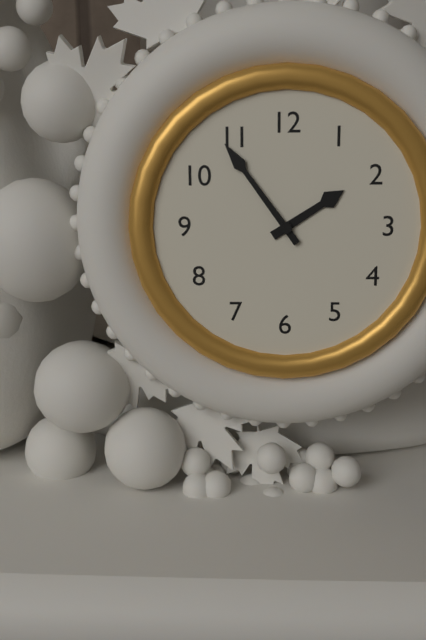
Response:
{"hour": 1, "minute": 54}
